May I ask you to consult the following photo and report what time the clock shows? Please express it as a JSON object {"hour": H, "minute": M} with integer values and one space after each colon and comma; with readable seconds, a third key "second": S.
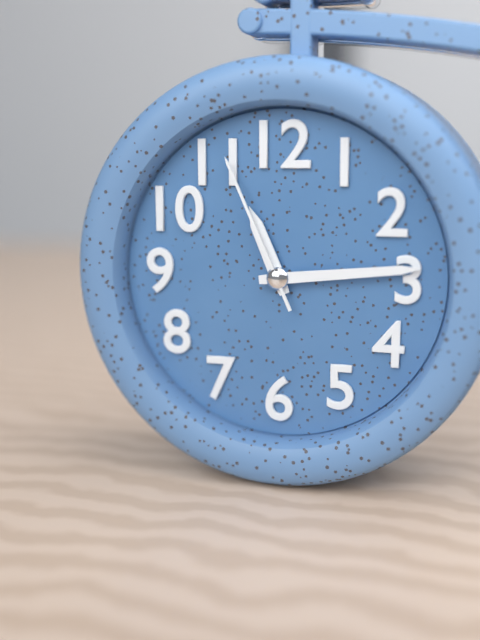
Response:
{"hour": 11, "minute": 14, "second": 56}
